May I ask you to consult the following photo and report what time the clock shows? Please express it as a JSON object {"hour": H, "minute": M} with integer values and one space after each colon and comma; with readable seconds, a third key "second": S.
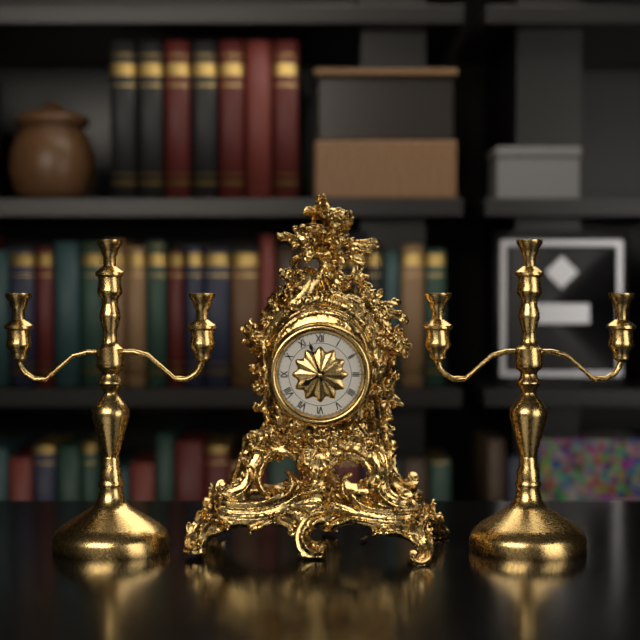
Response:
{"hour": 7, "minute": 57}
